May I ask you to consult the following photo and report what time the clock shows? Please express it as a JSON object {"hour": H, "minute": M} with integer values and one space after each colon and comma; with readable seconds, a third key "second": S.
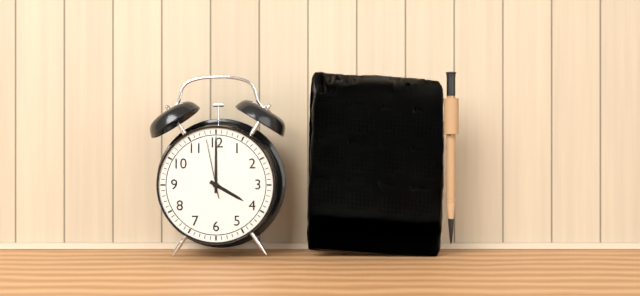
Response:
{"hour": 4, "minute": 0, "second": 58}
